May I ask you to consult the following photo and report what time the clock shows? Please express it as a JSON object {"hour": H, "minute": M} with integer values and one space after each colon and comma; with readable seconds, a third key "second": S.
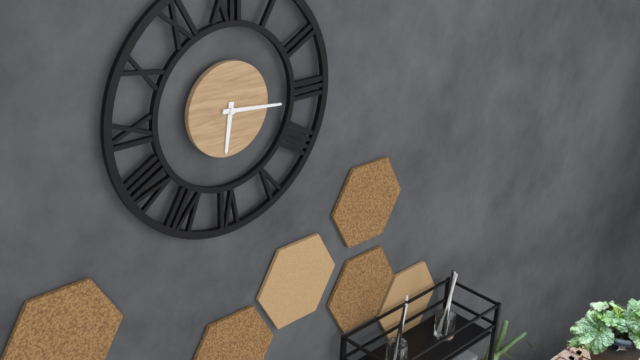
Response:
{"hour": 6, "minute": 16}
